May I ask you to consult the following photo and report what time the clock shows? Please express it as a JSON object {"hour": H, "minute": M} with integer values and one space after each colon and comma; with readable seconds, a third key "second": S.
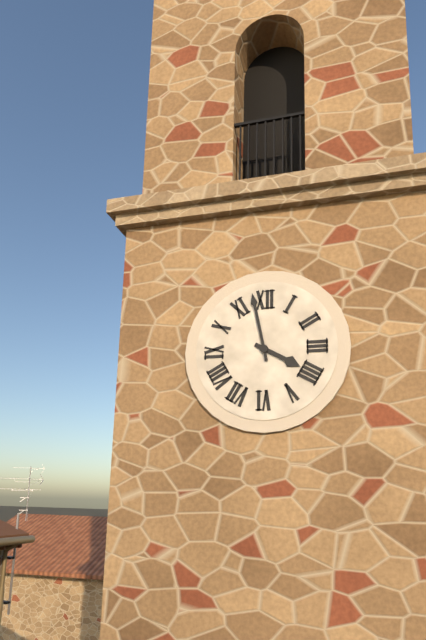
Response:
{"hour": 3, "minute": 58}
